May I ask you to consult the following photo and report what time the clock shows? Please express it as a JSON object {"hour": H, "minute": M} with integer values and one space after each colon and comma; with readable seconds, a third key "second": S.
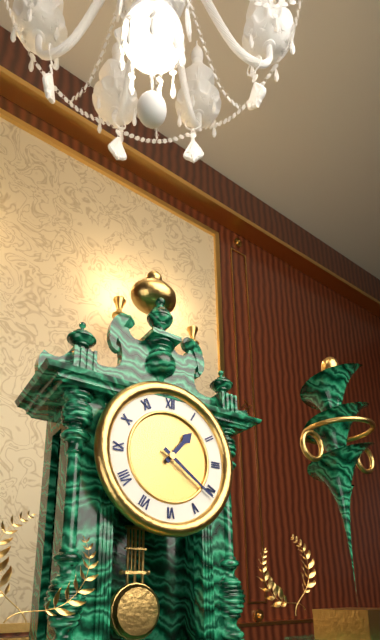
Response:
{"hour": 1, "minute": 21}
